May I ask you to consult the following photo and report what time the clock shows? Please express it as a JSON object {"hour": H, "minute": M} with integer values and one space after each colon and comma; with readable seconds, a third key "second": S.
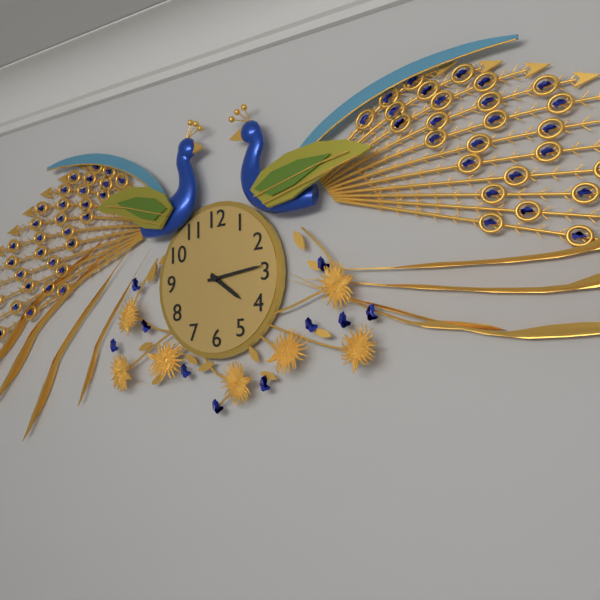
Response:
{"hour": 4, "minute": 14}
